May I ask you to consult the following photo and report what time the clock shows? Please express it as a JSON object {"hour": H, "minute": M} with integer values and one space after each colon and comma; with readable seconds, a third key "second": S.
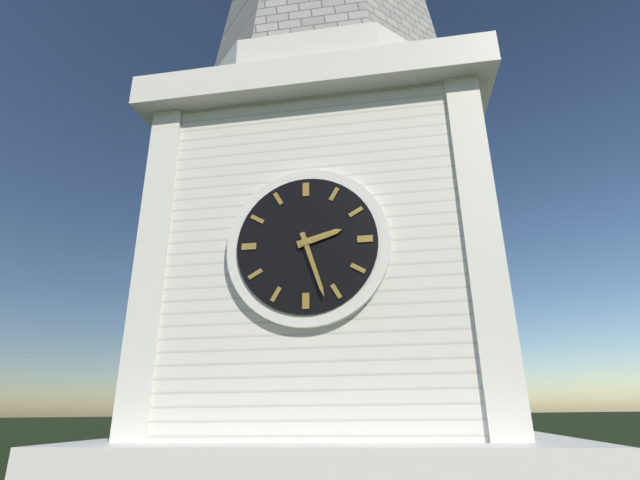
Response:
{"hour": 2, "minute": 27}
